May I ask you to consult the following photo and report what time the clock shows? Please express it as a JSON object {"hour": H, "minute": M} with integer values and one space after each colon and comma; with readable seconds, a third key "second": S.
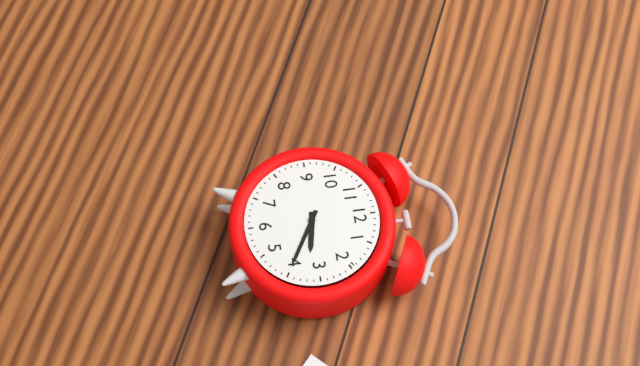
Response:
{"hour": 3, "minute": 20}
